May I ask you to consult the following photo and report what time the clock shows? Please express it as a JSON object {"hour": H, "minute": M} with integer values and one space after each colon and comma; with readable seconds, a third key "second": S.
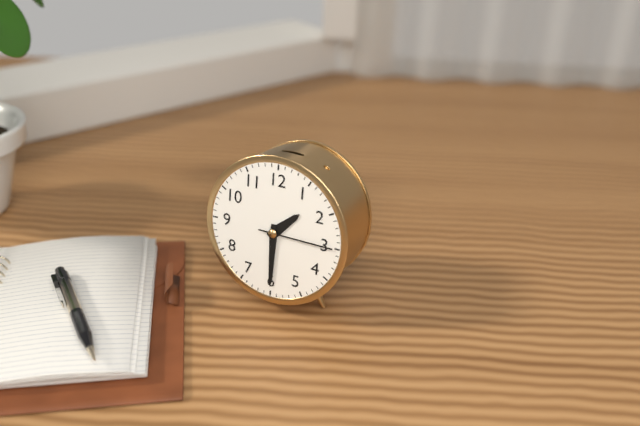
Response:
{"hour": 1, "minute": 30, "second": 15}
